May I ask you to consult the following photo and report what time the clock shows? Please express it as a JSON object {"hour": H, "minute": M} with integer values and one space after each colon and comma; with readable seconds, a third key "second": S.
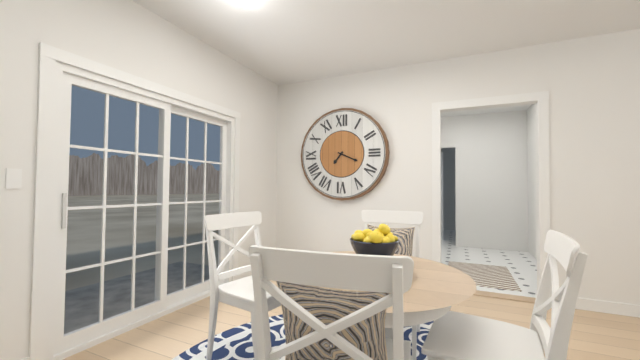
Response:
{"hour": 7, "minute": 19}
